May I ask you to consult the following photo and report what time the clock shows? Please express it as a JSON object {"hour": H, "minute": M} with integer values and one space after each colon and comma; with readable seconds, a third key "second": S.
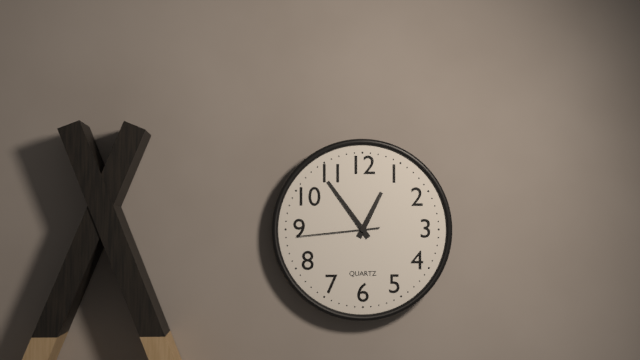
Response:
{"hour": 12, "minute": 54, "second": 44}
